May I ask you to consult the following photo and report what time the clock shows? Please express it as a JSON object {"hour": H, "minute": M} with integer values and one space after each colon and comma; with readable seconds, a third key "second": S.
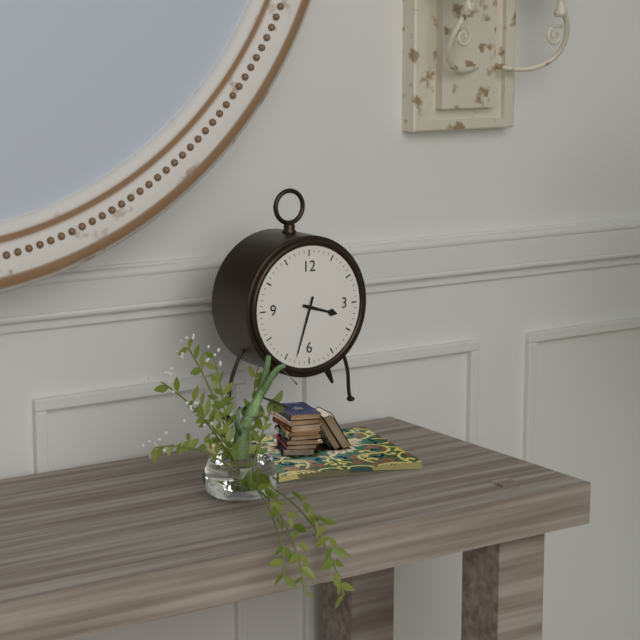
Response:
{"hour": 3, "minute": 33}
